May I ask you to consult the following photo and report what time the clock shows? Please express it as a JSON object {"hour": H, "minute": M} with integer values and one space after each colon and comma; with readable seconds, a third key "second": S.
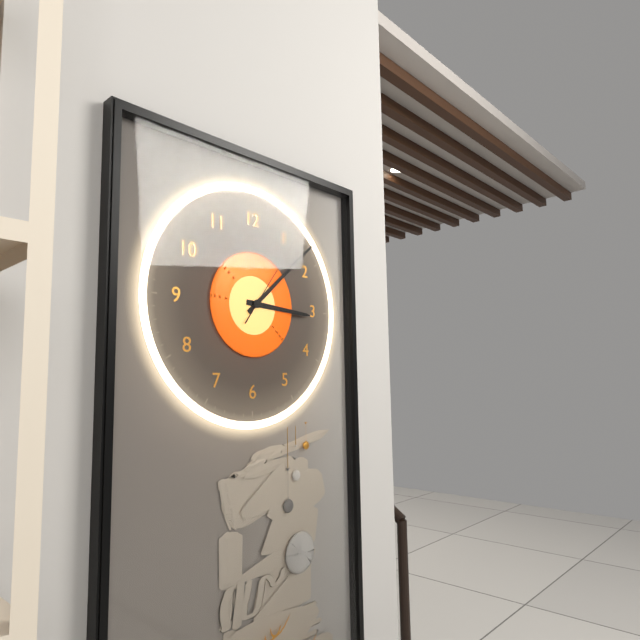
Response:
{"hour": 3, "minute": 8, "second": 6}
